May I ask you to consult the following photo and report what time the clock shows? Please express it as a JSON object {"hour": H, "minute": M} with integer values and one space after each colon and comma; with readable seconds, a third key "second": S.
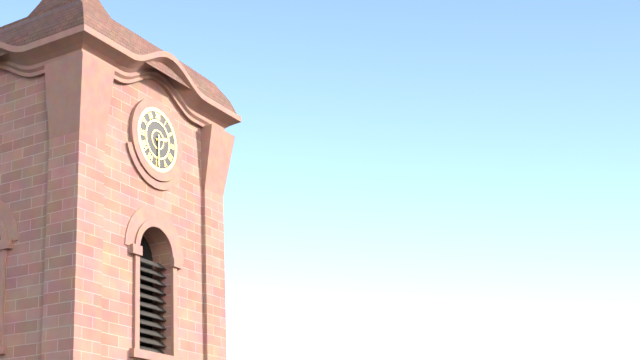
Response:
{"hour": 2, "minute": 30}
